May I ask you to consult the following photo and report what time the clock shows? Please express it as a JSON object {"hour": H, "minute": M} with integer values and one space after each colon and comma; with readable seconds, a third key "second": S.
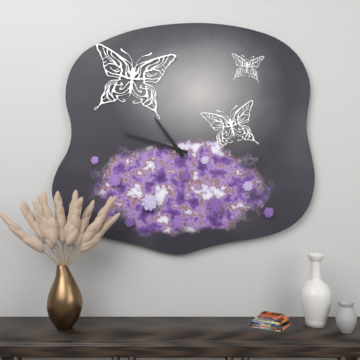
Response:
{"hour": 10, "minute": 48}
